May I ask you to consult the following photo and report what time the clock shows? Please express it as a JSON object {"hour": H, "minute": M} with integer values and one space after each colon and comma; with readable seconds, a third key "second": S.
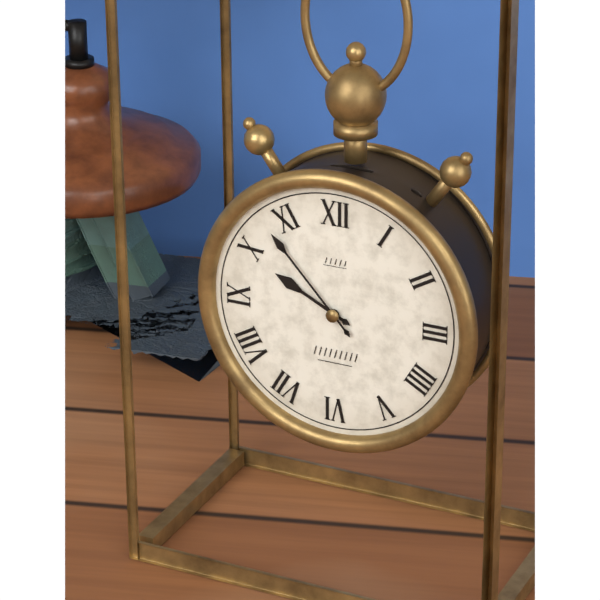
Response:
{"hour": 9, "minute": 53}
